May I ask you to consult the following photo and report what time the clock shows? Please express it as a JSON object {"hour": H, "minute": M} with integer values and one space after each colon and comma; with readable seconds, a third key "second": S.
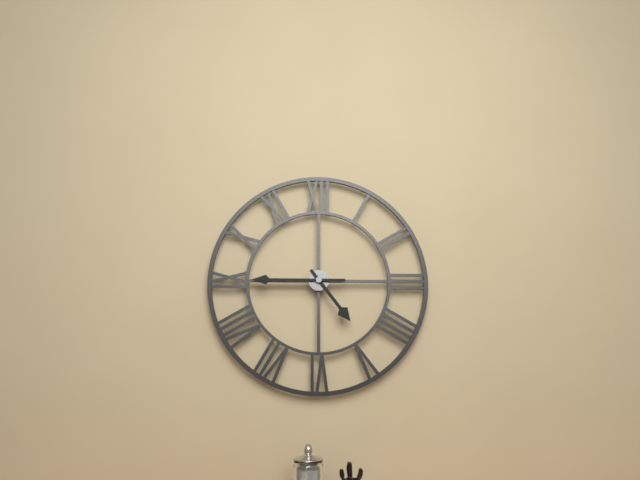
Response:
{"hour": 4, "minute": 45}
